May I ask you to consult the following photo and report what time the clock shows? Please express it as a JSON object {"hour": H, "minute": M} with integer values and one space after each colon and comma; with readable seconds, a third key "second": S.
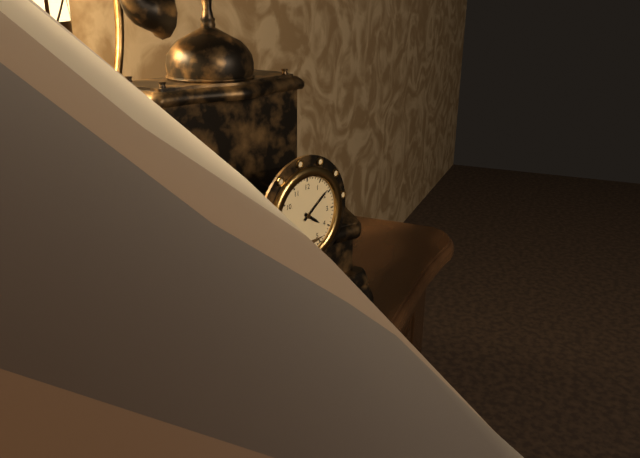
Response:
{"hour": 4, "minute": 9}
